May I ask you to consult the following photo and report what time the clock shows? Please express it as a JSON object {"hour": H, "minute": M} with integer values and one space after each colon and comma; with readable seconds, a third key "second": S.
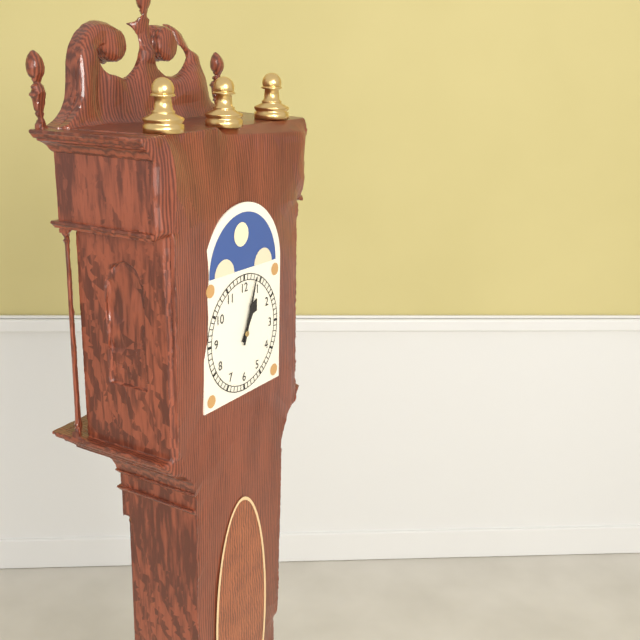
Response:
{"hour": 1, "minute": 3}
